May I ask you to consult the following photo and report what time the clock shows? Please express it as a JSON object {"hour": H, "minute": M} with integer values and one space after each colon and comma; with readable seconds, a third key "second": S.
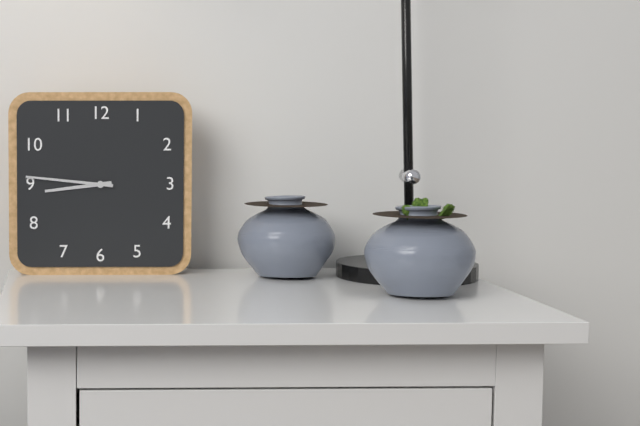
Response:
{"hour": 8, "minute": 46}
